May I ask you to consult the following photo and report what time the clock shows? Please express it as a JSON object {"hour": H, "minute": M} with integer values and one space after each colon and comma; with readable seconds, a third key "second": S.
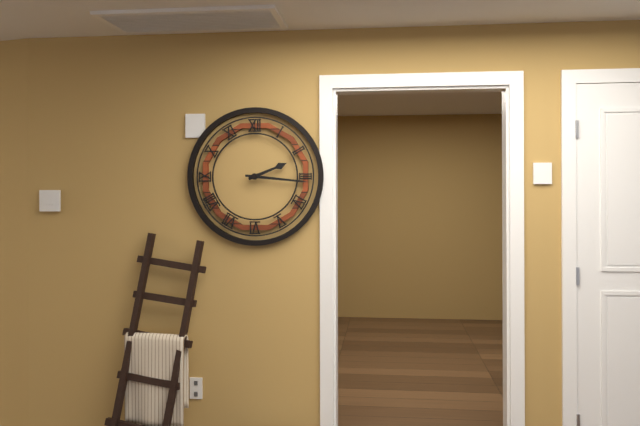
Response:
{"hour": 2, "minute": 16}
